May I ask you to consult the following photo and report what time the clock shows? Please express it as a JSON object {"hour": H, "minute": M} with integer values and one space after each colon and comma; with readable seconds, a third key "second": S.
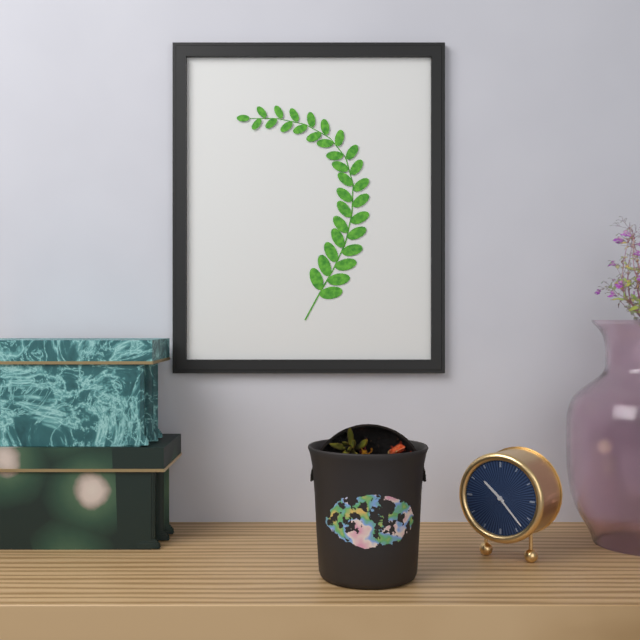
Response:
{"hour": 10, "minute": 23}
